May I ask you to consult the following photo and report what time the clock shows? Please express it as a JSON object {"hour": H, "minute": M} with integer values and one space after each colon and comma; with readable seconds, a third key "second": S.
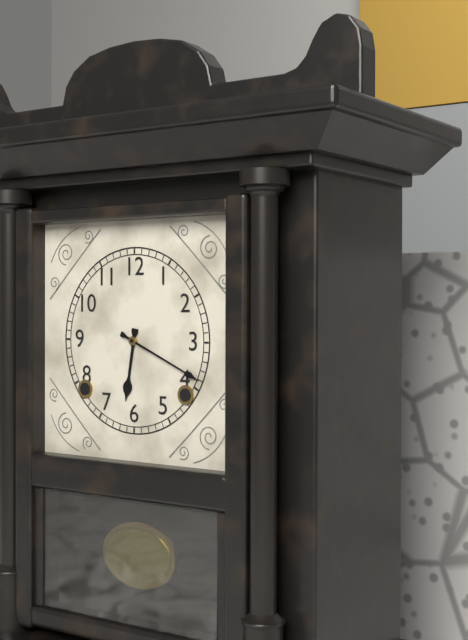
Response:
{"hour": 6, "minute": 19}
